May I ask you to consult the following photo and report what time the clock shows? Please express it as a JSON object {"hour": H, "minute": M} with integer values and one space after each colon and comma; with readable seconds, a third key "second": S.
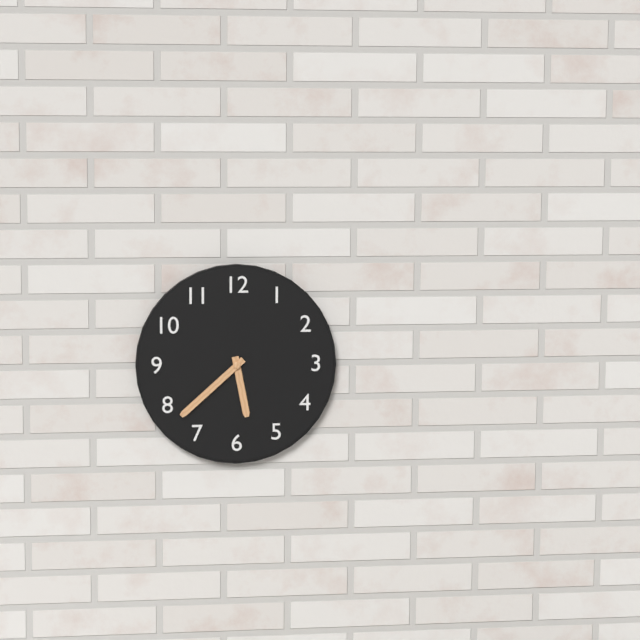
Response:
{"hour": 5, "minute": 38}
